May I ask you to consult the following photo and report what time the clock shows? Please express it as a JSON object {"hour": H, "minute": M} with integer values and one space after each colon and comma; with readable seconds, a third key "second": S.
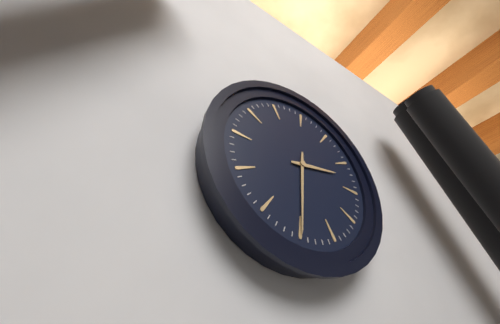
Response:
{"hour": 2, "minute": 30}
